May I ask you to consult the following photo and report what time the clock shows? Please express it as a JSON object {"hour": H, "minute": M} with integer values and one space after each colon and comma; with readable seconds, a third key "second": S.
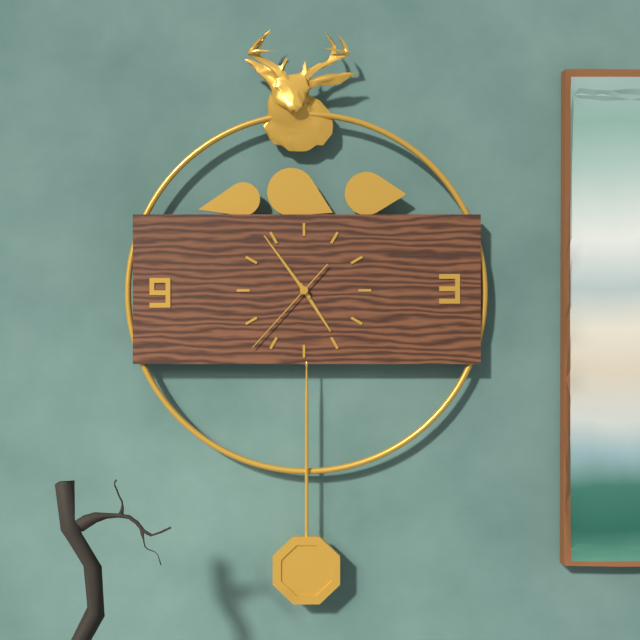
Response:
{"hour": 4, "minute": 54, "second": 37}
